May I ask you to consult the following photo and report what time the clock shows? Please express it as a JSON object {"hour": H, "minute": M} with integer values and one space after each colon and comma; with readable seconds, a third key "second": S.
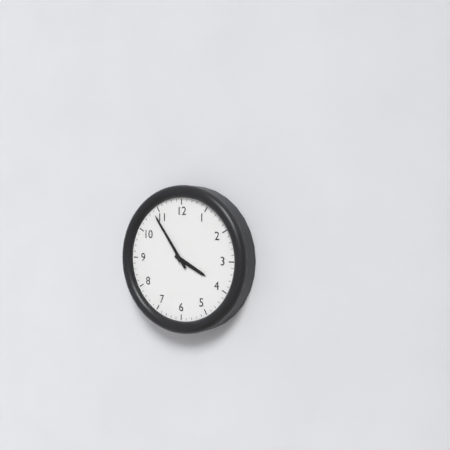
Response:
{"hour": 3, "minute": 54}
